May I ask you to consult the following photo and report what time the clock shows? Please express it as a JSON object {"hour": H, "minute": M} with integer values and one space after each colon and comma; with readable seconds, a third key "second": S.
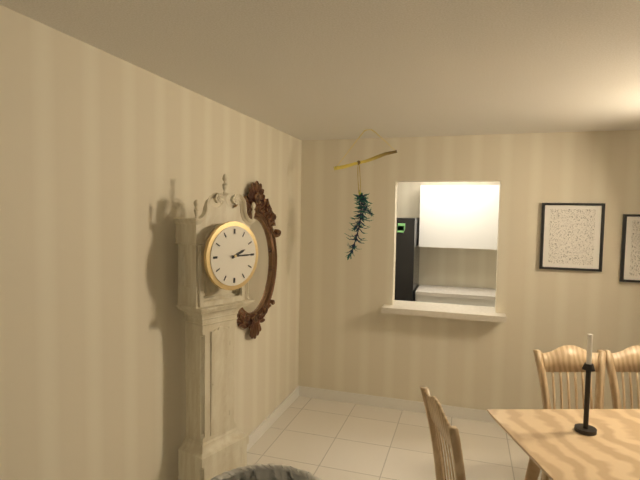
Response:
{"hour": 2, "minute": 15}
